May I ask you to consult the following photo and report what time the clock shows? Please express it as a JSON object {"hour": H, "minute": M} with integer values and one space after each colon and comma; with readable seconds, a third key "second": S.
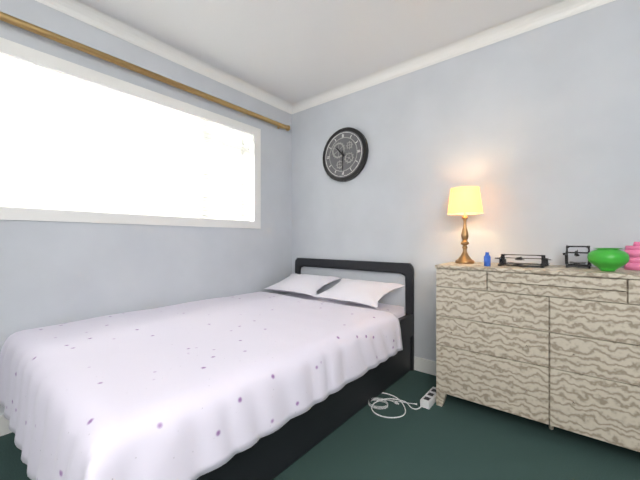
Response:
{"hour": 10, "minute": 30}
